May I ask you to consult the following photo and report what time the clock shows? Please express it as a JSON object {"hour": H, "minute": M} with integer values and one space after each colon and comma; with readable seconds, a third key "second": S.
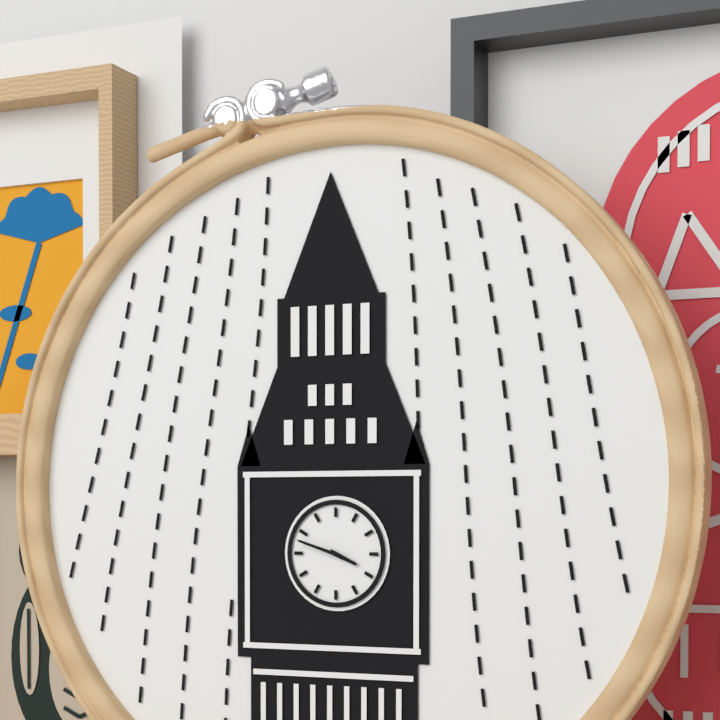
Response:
{"hour": 3, "minute": 48}
